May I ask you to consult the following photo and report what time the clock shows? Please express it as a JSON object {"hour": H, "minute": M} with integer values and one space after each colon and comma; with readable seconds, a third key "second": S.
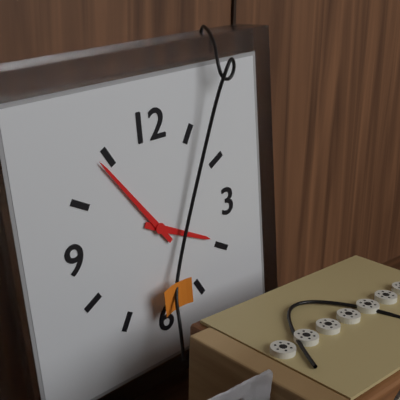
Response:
{"hour": 3, "minute": 54}
